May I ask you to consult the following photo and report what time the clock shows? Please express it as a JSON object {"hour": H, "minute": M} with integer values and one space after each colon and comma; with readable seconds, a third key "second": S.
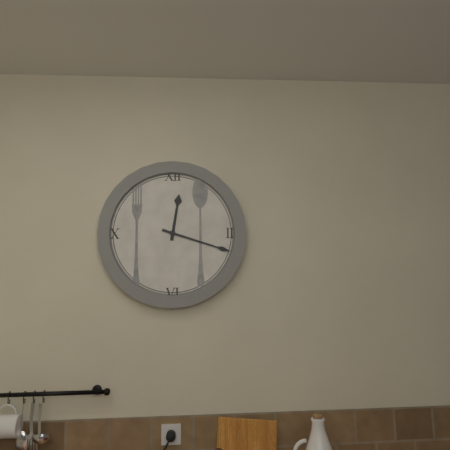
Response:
{"hour": 12, "minute": 18}
